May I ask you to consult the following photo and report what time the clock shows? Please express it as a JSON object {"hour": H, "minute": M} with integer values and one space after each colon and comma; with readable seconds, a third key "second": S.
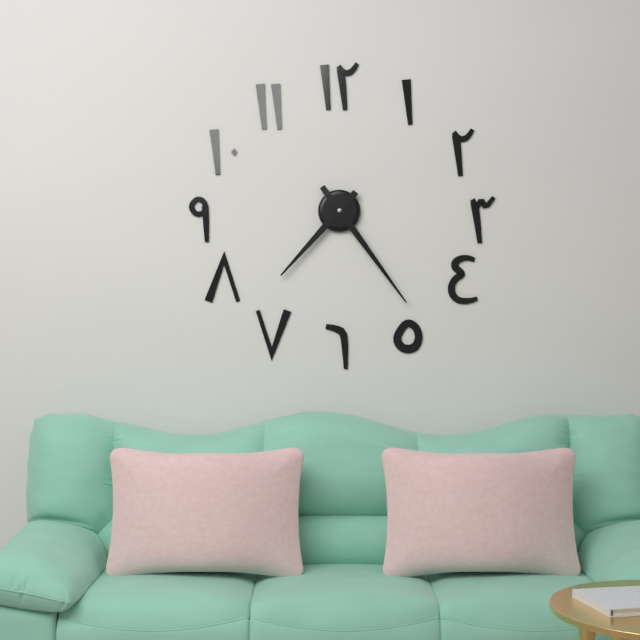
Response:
{"hour": 7, "minute": 24}
